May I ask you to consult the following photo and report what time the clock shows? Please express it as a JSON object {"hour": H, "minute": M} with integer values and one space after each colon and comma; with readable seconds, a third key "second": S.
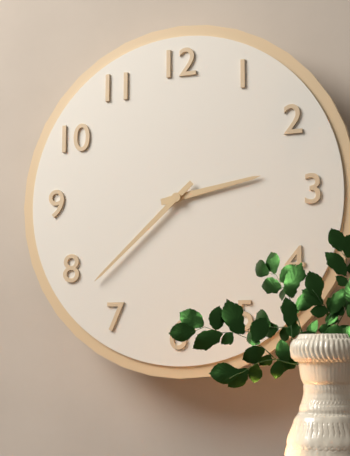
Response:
{"hour": 2, "minute": 38}
